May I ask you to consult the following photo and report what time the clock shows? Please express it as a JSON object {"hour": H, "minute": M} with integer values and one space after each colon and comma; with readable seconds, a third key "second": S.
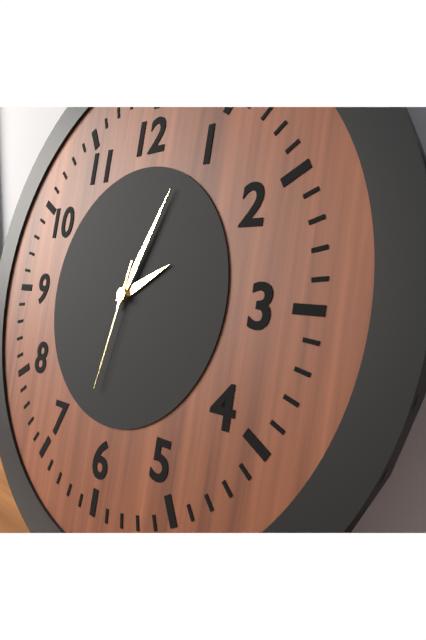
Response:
{"hour": 2, "minute": 4, "second": 32}
